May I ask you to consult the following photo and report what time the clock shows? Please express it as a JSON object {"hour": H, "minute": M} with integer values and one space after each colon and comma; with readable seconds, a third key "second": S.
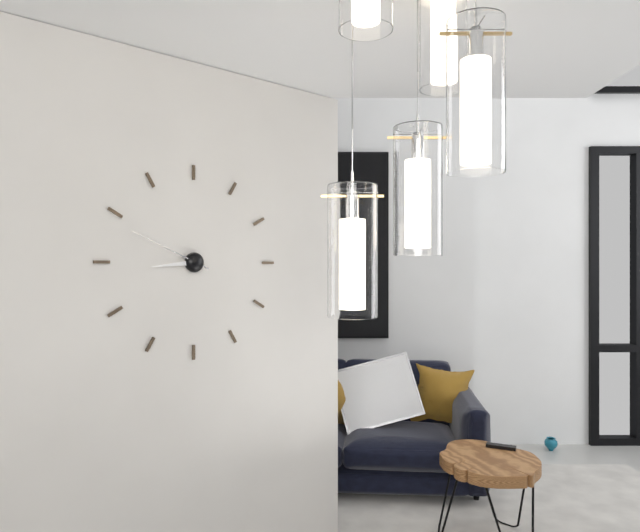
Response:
{"hour": 8, "minute": 49}
